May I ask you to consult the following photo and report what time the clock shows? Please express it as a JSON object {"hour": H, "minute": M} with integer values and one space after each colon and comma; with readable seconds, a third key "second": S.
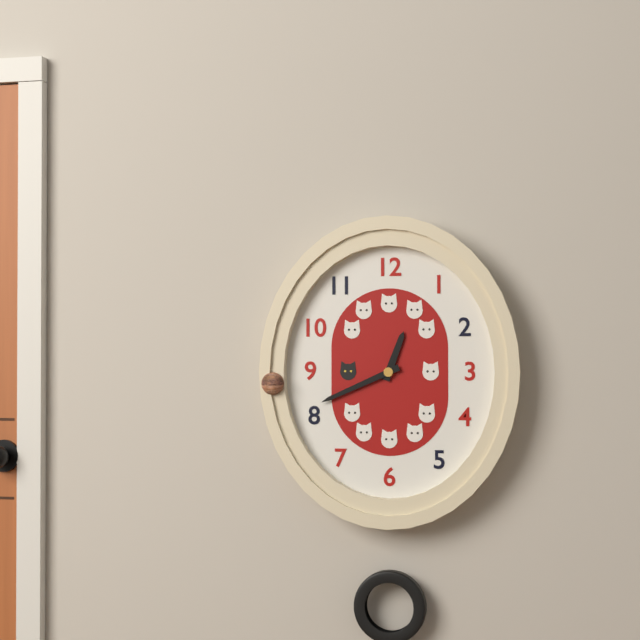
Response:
{"hour": 12, "minute": 41}
